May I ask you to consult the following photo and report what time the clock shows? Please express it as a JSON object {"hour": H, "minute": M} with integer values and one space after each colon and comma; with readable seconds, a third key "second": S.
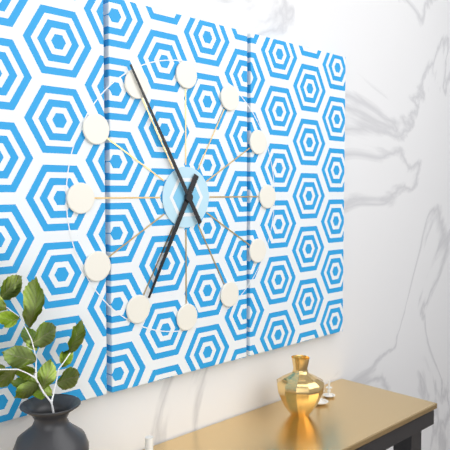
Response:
{"hour": 6, "minute": 55}
